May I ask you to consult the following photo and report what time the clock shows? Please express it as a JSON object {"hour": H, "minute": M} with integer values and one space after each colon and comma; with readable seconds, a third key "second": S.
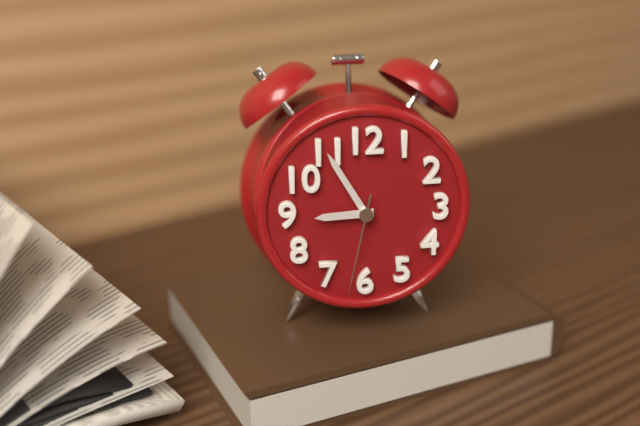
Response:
{"hour": 8, "minute": 55, "second": 32}
